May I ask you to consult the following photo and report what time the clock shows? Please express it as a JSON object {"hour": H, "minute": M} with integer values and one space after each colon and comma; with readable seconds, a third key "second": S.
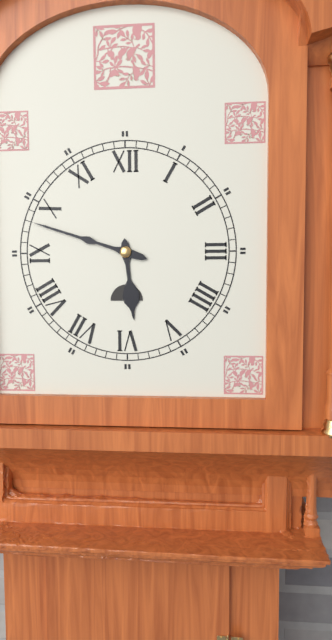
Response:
{"hour": 5, "minute": 48}
